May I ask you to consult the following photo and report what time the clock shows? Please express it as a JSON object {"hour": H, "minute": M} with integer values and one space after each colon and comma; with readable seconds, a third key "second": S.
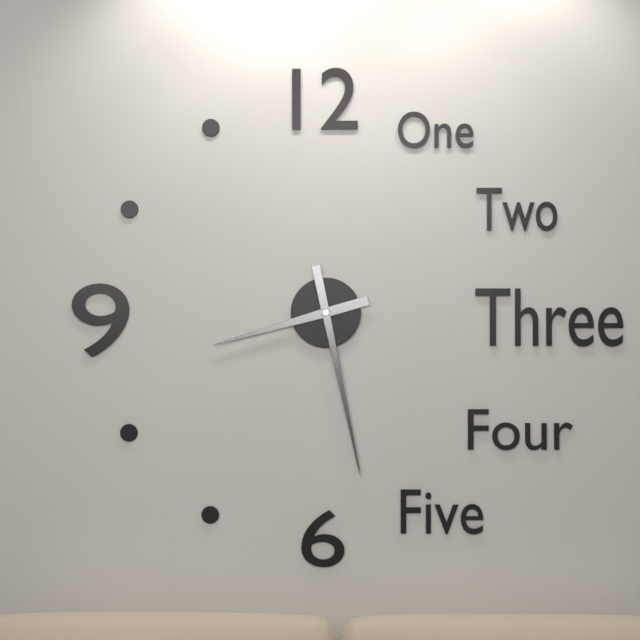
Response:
{"hour": 8, "minute": 28}
